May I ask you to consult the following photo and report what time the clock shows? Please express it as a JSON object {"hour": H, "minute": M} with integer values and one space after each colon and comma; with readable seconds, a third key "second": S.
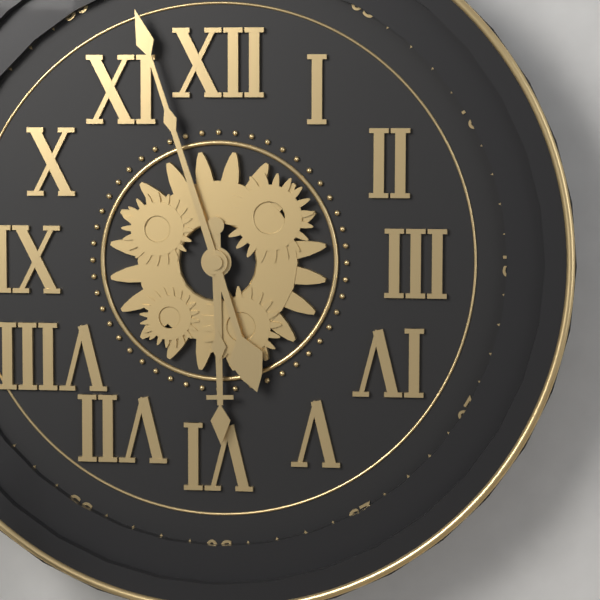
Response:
{"hour": 5, "minute": 57}
